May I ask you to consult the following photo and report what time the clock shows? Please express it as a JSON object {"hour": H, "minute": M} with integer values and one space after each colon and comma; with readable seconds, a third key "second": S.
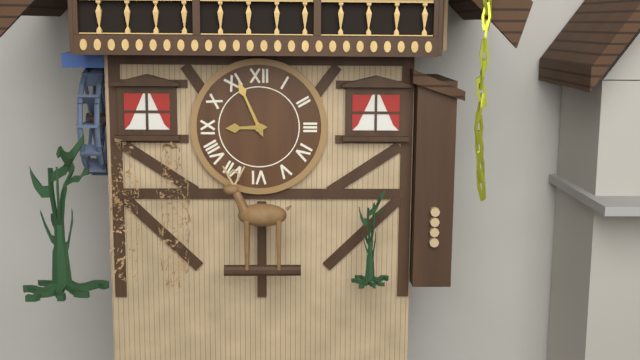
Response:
{"hour": 8, "minute": 56}
